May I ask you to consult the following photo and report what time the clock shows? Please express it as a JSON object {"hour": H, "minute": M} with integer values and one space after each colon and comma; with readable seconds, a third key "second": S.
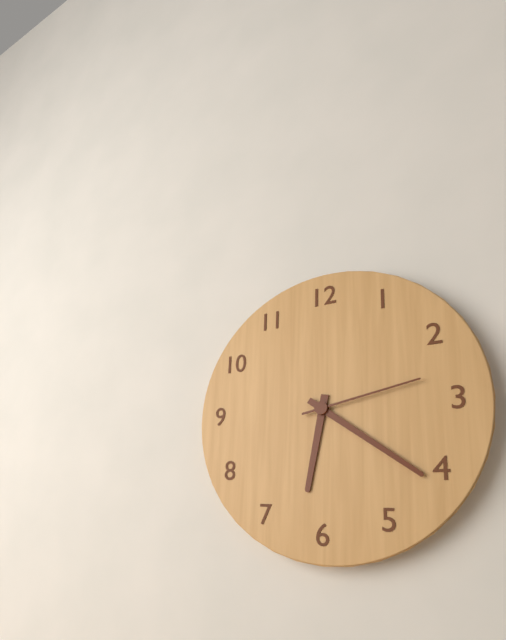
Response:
{"hour": 6, "minute": 21, "second": 13}
